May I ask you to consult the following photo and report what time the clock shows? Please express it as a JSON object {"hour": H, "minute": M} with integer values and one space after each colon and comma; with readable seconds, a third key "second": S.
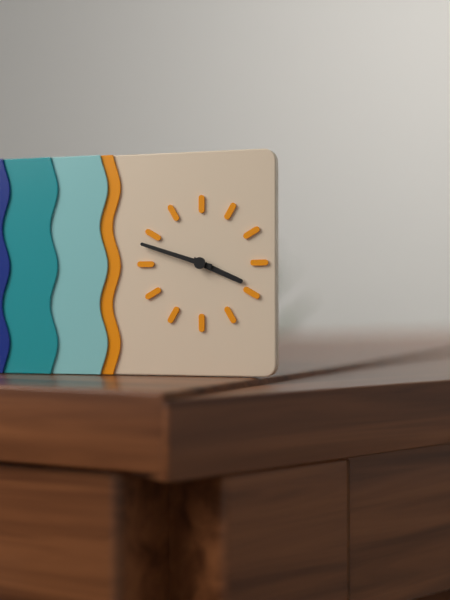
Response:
{"hour": 3, "minute": 48}
